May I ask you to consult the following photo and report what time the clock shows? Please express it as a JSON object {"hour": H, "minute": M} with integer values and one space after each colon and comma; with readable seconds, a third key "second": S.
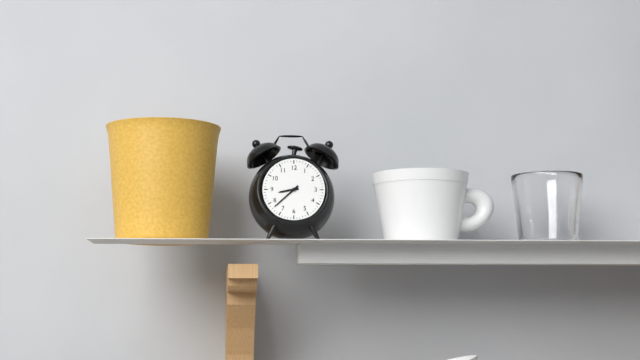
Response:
{"hour": 8, "minute": 38}
